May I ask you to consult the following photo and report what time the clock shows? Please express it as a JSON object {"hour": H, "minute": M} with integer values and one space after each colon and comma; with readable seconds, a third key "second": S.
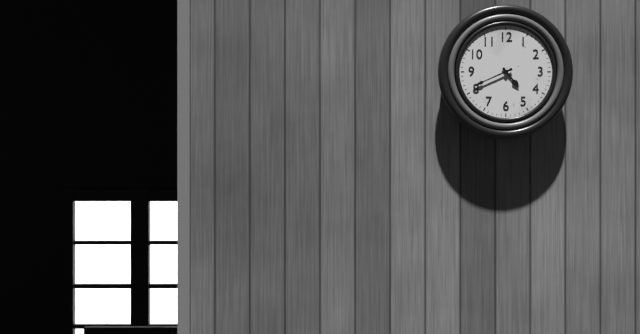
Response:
{"hour": 4, "minute": 41}
